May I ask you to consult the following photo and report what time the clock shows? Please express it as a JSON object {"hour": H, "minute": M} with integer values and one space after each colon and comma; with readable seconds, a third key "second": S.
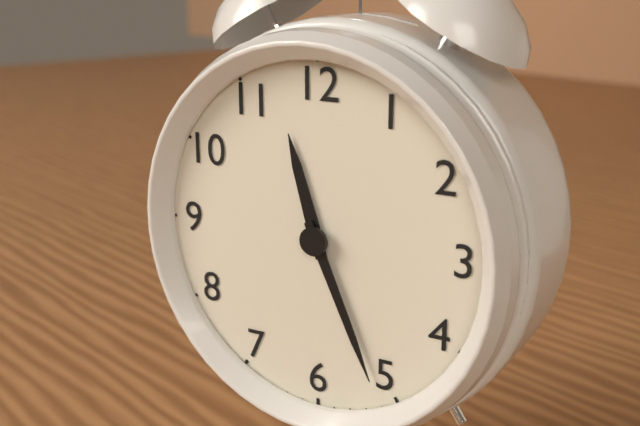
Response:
{"hour": 11, "minute": 26}
